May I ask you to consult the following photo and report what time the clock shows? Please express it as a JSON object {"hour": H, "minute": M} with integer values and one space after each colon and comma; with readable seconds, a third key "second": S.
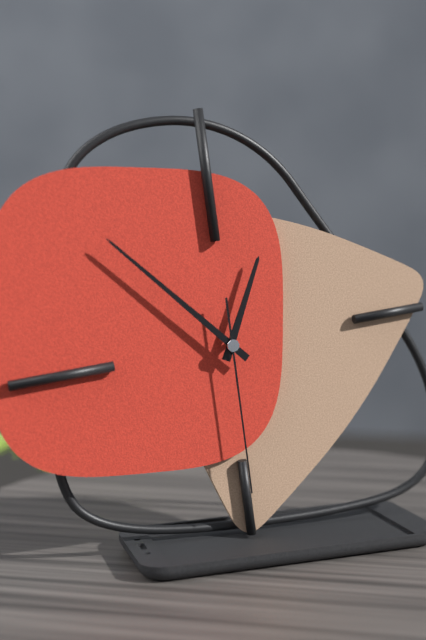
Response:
{"hour": 12, "minute": 53, "second": 30}
